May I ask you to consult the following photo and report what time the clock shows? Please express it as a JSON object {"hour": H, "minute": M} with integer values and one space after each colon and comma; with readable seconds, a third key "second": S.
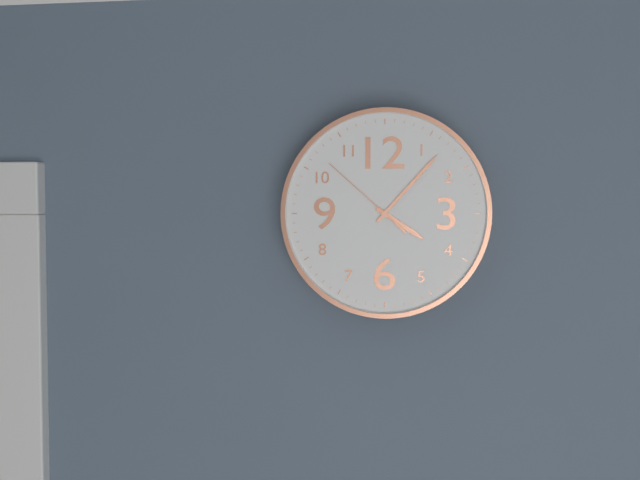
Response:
{"hour": 4, "minute": 7, "second": 52}
